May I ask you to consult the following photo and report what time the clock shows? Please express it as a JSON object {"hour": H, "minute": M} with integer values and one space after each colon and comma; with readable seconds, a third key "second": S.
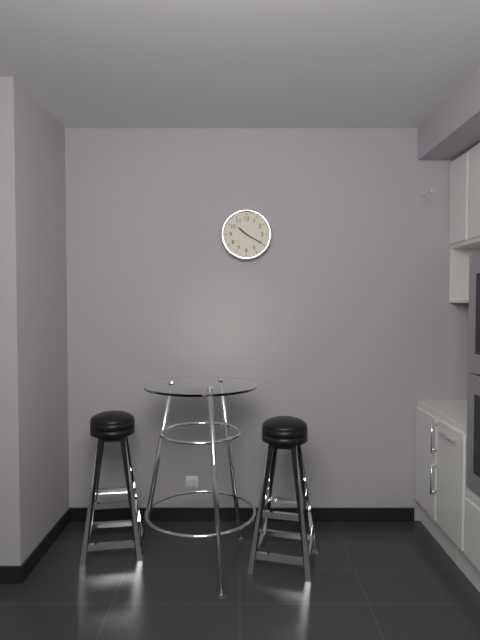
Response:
{"hour": 10, "minute": 20}
